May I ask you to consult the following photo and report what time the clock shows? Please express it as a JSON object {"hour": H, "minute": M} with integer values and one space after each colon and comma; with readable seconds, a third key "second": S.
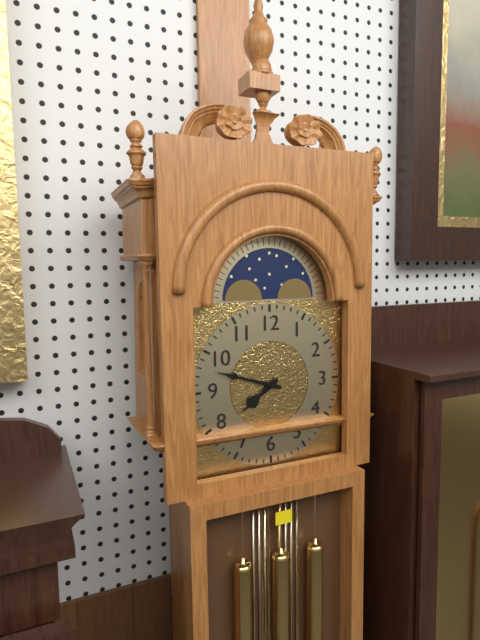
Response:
{"hour": 7, "minute": 48}
